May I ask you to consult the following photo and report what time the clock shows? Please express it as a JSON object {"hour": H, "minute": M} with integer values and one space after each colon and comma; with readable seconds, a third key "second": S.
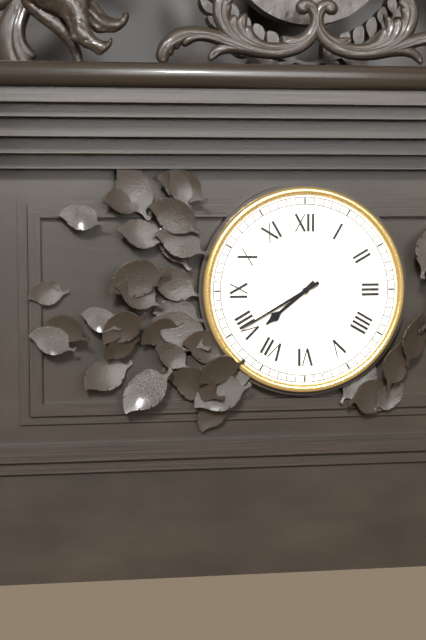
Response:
{"hour": 7, "minute": 40}
